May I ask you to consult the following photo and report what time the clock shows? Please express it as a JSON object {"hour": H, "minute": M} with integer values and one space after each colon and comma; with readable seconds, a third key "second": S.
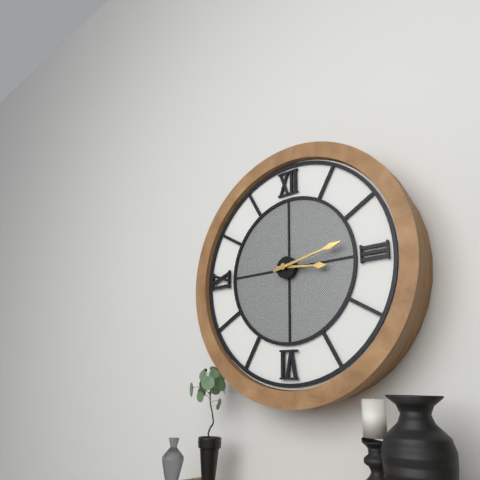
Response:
{"hour": 3, "minute": 13}
